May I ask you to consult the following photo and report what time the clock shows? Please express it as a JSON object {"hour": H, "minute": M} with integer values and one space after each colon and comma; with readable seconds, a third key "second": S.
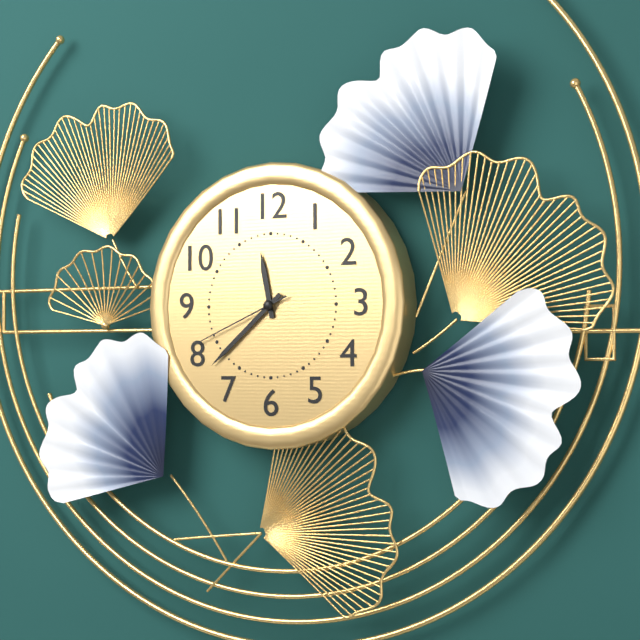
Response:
{"hour": 11, "minute": 38, "second": 41}
